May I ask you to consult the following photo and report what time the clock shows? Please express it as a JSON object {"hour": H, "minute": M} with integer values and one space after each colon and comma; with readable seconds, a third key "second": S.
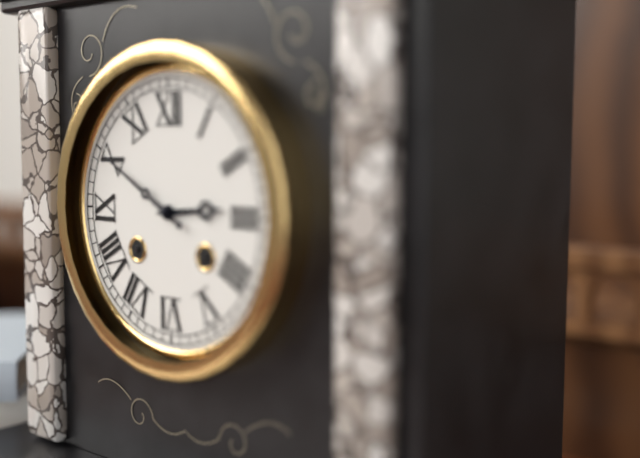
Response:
{"hour": 2, "minute": 50}
